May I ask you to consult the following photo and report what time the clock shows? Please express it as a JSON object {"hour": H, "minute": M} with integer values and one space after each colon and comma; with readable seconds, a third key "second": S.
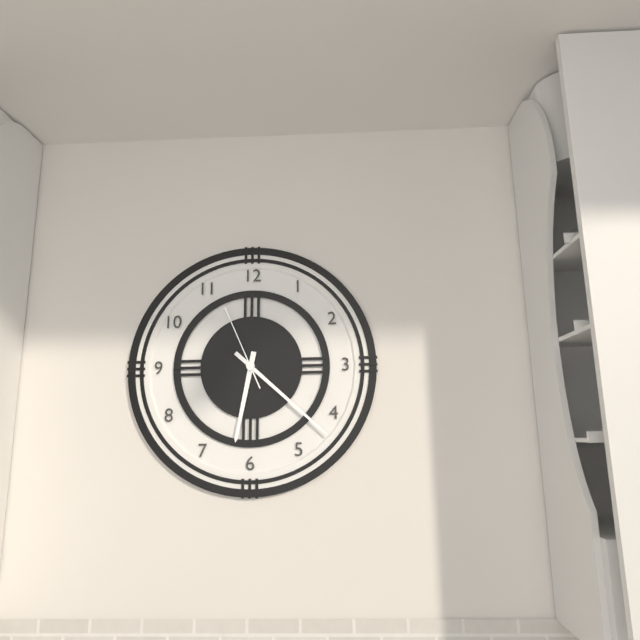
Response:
{"hour": 6, "minute": 22, "second": 56}
